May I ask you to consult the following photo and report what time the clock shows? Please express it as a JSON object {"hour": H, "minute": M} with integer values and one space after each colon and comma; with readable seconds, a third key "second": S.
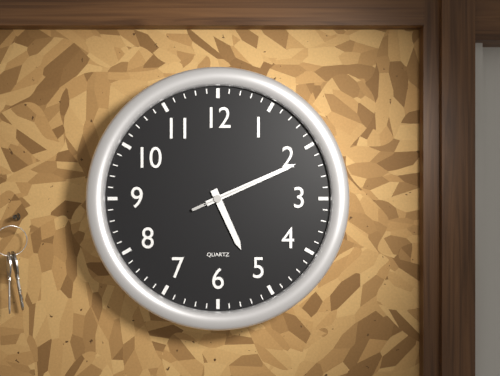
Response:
{"hour": 5, "minute": 11, "second": 11}
